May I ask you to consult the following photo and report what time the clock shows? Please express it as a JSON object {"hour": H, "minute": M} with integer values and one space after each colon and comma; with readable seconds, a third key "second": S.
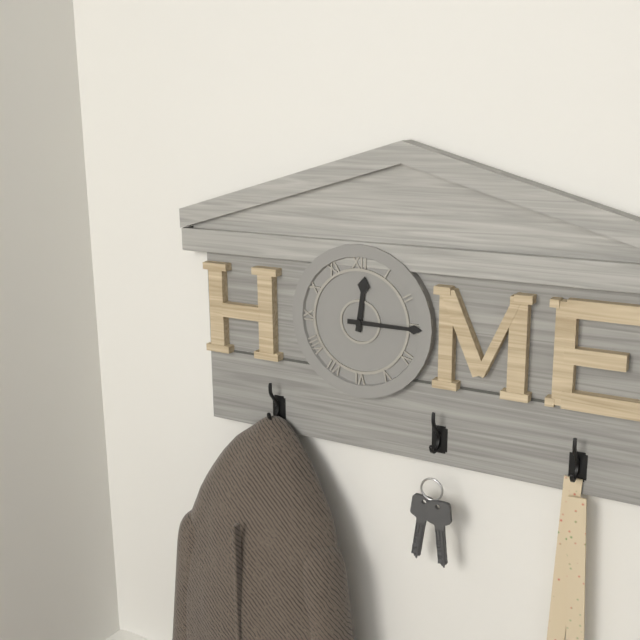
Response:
{"hour": 12, "minute": 15}
